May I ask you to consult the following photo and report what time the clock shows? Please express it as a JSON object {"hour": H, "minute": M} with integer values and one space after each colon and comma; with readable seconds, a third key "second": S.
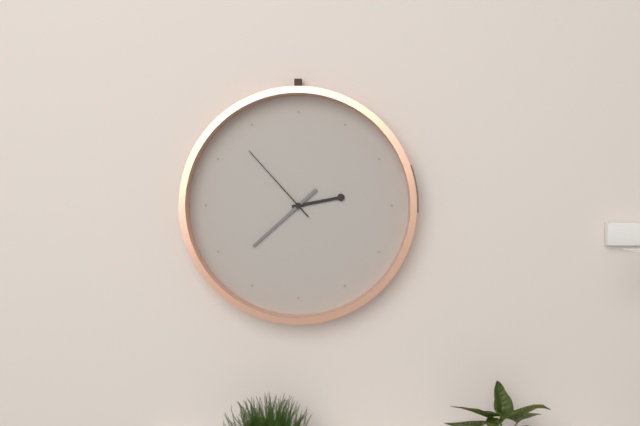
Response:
{"hour": 2, "minute": 38, "second": 53}
